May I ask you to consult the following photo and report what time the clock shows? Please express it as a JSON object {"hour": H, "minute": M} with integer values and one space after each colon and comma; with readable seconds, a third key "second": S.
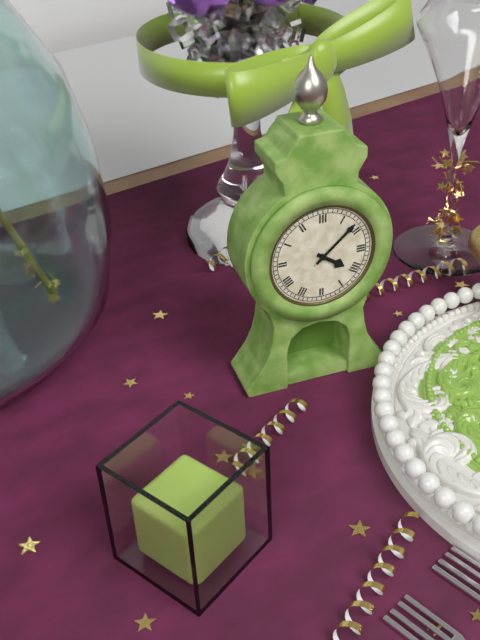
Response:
{"hour": 4, "minute": 8}
